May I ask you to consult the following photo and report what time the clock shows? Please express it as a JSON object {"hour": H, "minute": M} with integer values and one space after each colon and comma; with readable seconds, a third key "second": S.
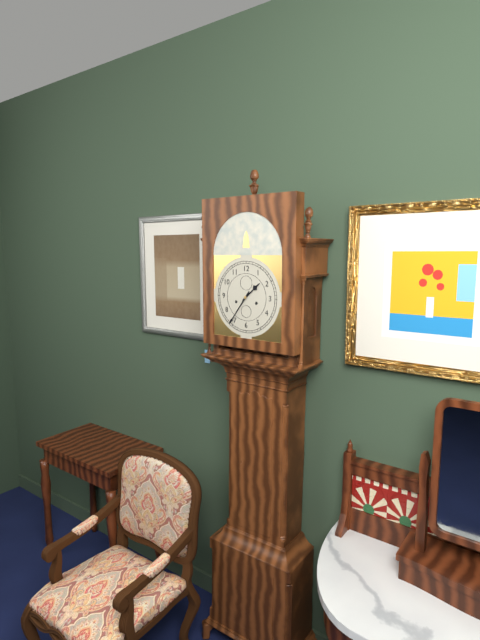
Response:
{"hour": 1, "minute": 36}
